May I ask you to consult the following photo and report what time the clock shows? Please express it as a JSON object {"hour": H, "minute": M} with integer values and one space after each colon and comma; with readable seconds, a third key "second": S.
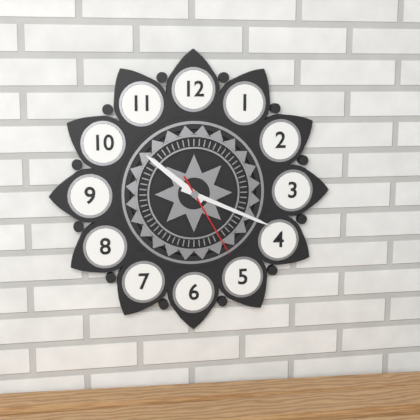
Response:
{"hour": 10, "minute": 19, "second": 25}
